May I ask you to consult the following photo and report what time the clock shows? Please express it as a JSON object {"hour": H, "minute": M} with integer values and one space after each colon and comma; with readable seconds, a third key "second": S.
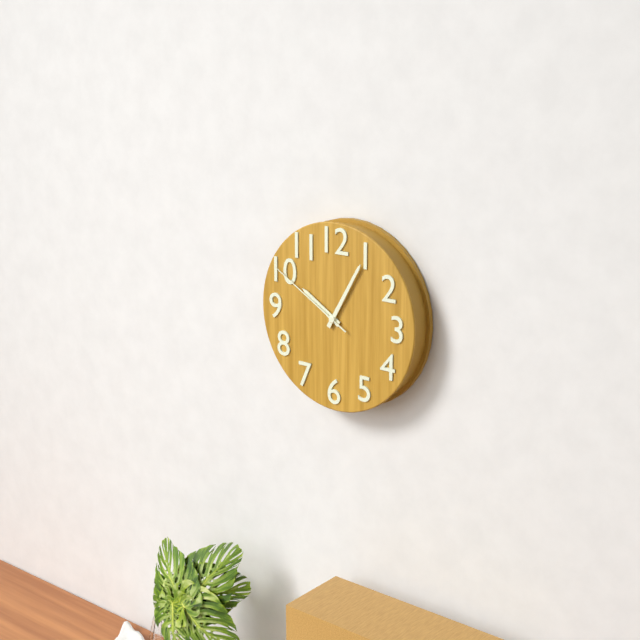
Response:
{"hour": 10, "minute": 5, "second": 50}
